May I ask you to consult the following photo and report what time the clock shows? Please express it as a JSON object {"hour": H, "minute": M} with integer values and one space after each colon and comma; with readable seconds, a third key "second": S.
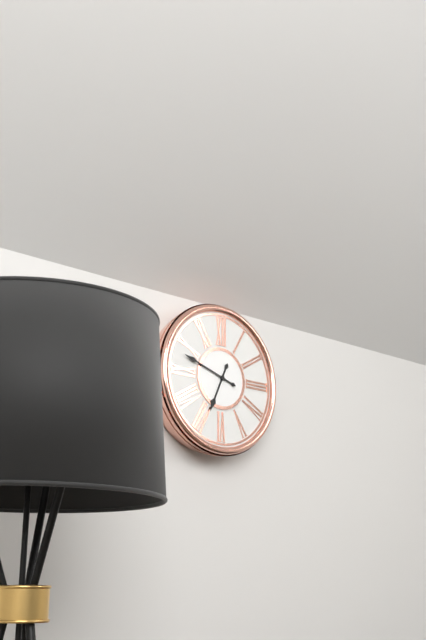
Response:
{"hour": 6, "minute": 48}
